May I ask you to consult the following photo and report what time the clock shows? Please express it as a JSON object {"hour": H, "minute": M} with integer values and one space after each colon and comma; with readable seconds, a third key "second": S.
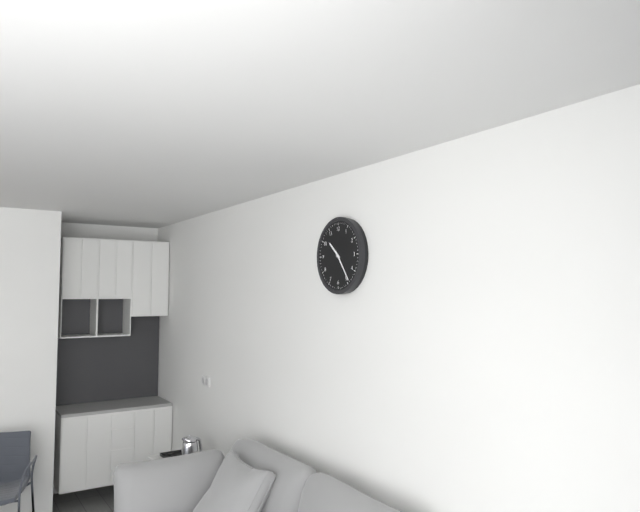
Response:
{"hour": 10, "minute": 24}
